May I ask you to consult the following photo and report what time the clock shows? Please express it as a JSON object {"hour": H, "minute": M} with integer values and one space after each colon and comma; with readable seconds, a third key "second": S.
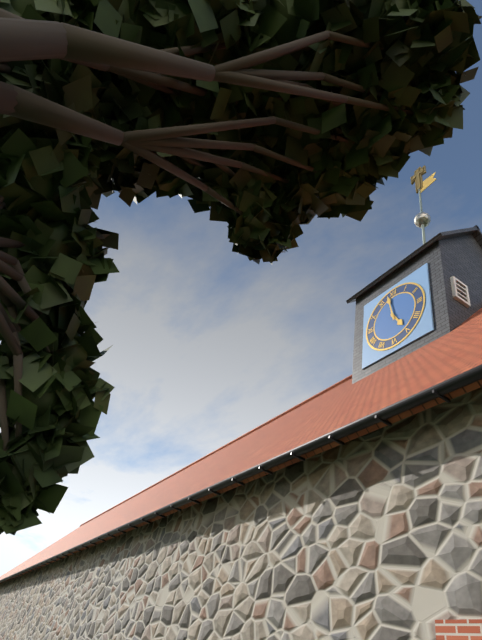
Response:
{"hour": 4, "minute": 58}
